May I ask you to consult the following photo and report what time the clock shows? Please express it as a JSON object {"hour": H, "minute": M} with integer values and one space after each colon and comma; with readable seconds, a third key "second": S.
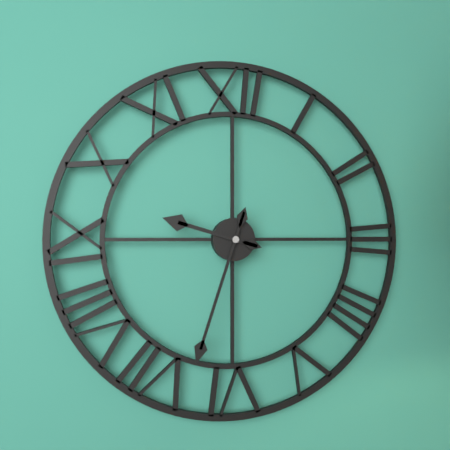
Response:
{"hour": 9, "minute": 33}
